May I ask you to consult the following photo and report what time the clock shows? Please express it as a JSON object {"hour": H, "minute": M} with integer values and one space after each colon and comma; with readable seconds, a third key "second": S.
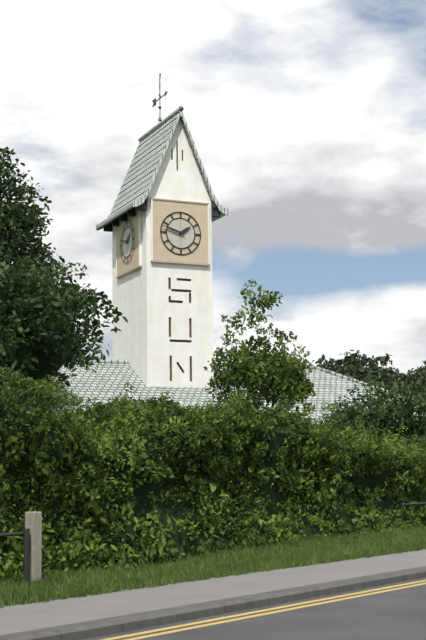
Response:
{"hour": 1, "minute": 48}
